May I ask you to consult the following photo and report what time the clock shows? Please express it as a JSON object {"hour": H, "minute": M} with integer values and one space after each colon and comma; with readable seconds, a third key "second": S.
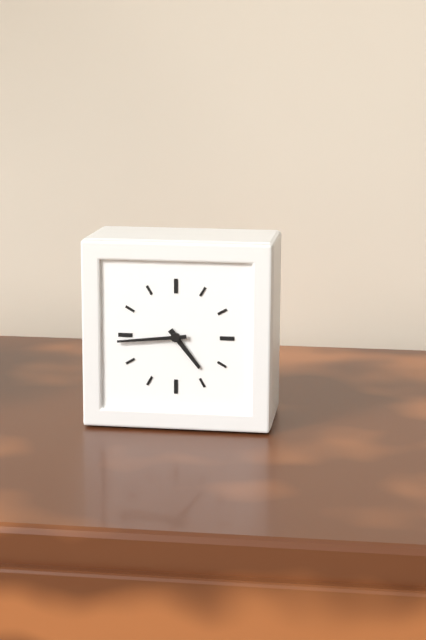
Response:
{"hour": 4, "minute": 44}
